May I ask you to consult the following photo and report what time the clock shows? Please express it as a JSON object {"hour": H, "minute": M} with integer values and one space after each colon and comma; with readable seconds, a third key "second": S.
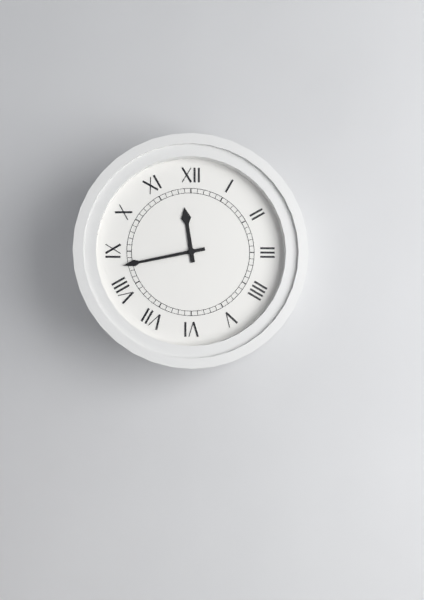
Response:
{"hour": 11, "minute": 43}
